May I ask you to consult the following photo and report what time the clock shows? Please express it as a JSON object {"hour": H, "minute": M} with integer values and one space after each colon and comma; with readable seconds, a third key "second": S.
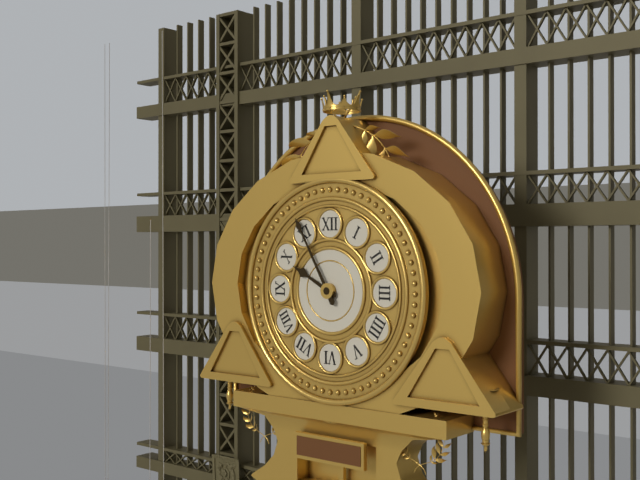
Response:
{"hour": 9, "minute": 55}
